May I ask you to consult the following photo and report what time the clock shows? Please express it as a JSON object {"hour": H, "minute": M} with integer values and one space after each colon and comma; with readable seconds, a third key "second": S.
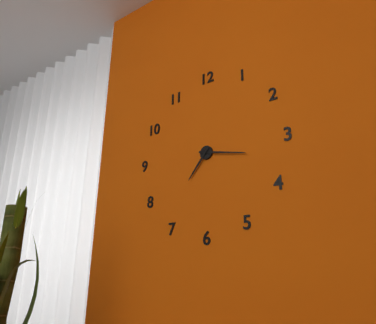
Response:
{"hour": 7, "minute": 17}
